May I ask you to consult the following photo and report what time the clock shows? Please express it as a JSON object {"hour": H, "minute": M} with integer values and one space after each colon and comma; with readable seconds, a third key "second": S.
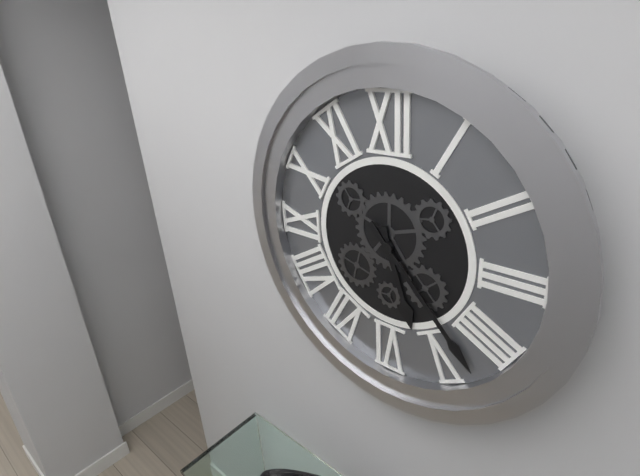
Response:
{"hour": 5, "minute": 23}
